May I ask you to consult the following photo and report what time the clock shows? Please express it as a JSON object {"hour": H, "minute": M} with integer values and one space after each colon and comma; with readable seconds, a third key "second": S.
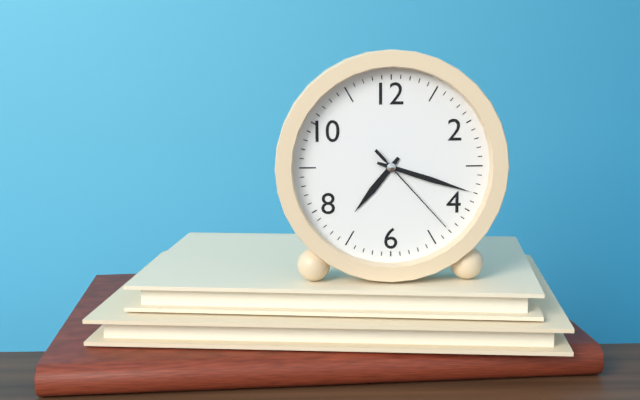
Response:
{"hour": 7, "minute": 18, "second": 23}
